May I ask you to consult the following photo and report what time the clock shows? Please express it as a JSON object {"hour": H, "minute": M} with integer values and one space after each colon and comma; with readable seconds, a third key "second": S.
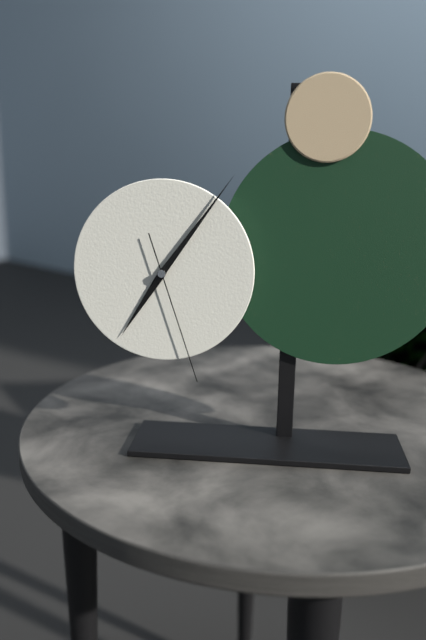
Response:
{"hour": 7, "minute": 6, "second": 27}
